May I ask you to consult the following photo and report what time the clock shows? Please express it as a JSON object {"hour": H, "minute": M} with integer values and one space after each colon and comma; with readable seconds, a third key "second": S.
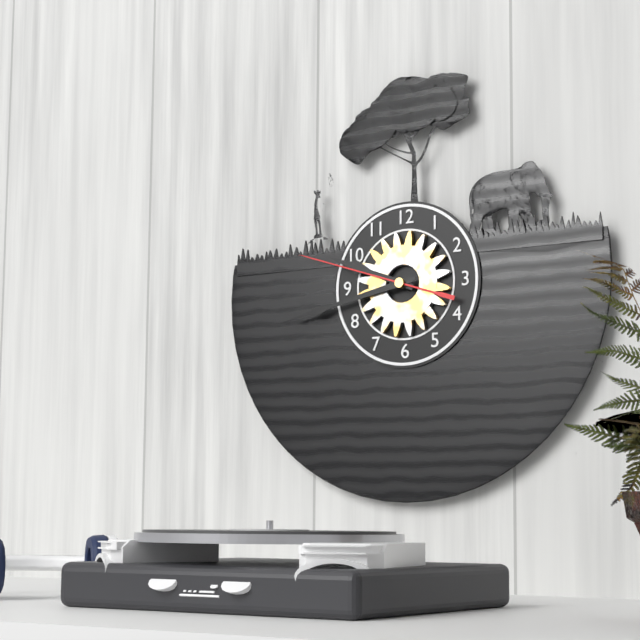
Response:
{"hour": 9, "minute": 43, "second": 48}
